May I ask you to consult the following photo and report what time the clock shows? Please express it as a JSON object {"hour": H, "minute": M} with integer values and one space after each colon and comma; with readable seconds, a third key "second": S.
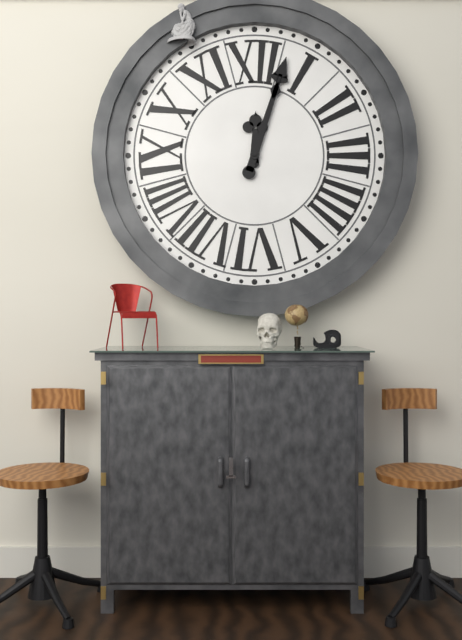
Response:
{"hour": 12, "minute": 3}
